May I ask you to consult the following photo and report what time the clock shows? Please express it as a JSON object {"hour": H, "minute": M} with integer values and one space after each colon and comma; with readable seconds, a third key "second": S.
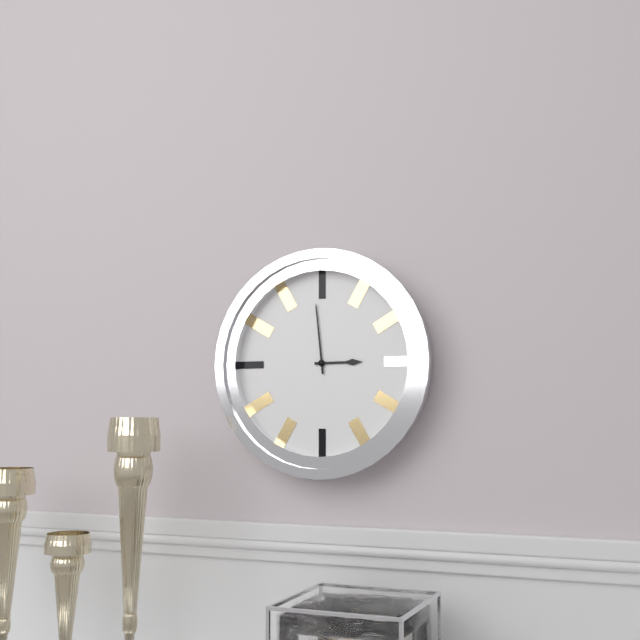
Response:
{"hour": 2, "minute": 59}
